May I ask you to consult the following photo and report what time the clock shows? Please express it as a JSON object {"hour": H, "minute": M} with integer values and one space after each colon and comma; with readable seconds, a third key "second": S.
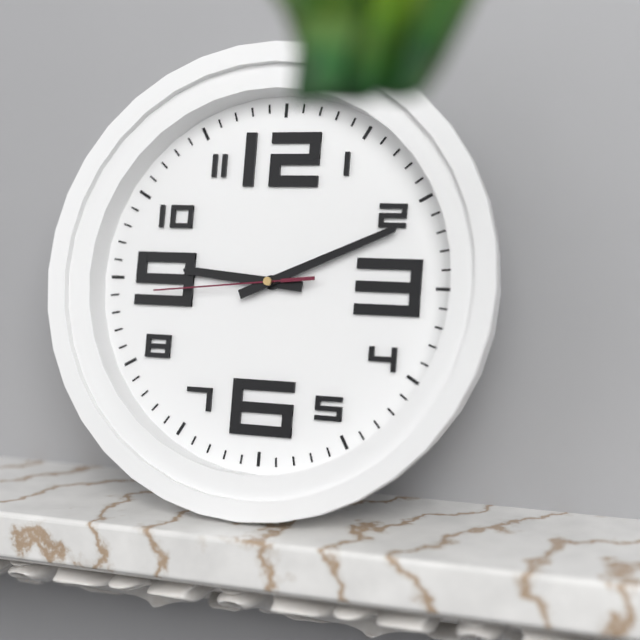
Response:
{"hour": 9, "minute": 11, "second": 44}
